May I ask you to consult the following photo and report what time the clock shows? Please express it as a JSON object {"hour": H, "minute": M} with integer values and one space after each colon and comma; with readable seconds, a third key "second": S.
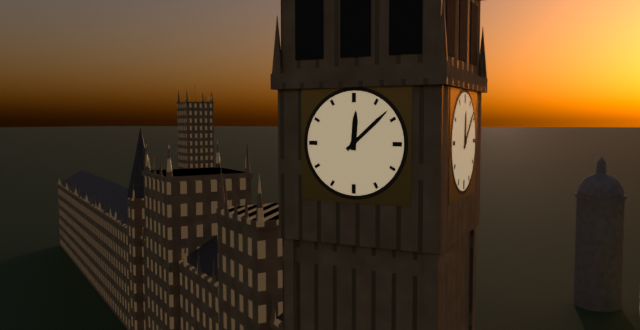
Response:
{"hour": 12, "minute": 8}
